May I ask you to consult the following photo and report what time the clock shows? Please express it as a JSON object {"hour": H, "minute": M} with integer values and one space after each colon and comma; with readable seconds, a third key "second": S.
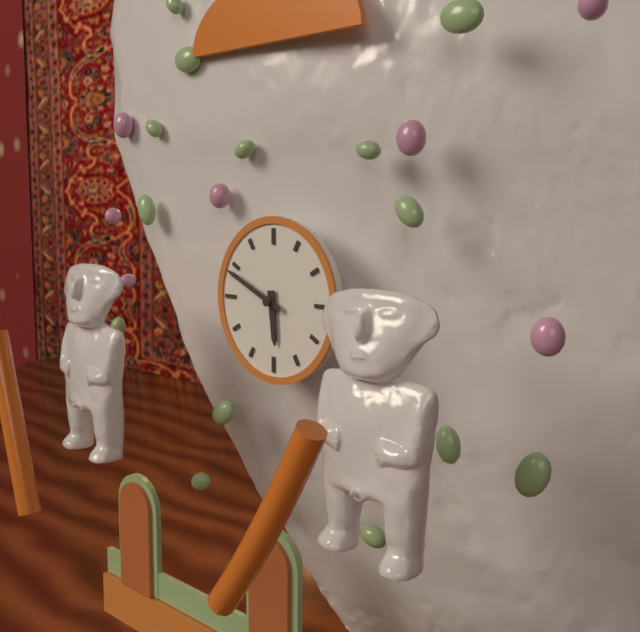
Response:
{"hour": 5, "minute": 49}
